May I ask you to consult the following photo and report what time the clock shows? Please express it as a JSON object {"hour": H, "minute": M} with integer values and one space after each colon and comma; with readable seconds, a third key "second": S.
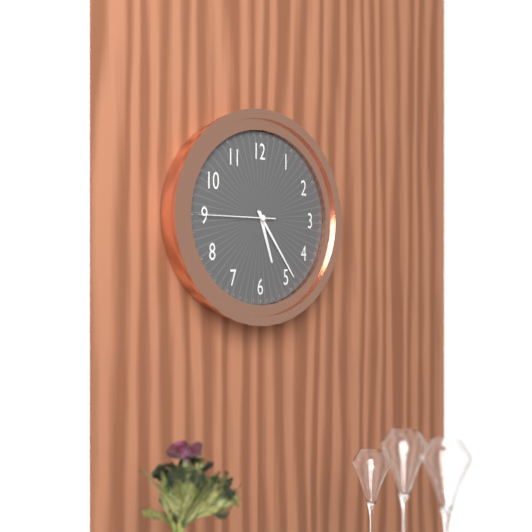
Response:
{"hour": 5, "minute": 24, "second": 45}
